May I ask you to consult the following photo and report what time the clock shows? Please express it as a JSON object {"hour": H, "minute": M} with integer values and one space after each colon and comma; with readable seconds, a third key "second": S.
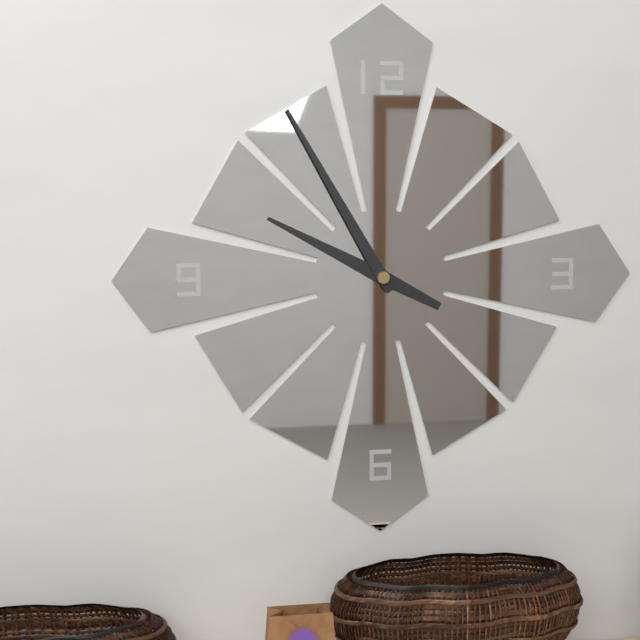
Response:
{"hour": 9, "minute": 55}
